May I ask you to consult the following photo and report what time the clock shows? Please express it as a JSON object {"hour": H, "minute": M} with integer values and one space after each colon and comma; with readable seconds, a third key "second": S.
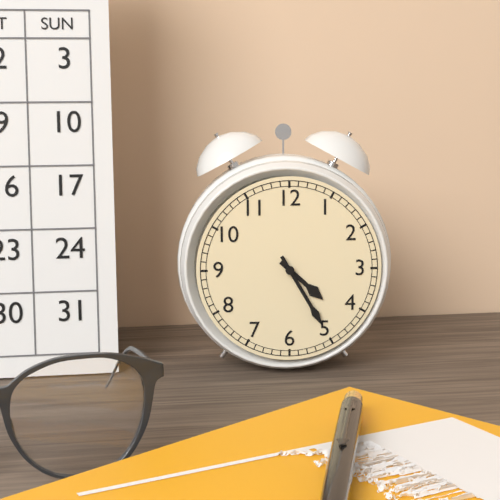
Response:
{"hour": 4, "minute": 25}
